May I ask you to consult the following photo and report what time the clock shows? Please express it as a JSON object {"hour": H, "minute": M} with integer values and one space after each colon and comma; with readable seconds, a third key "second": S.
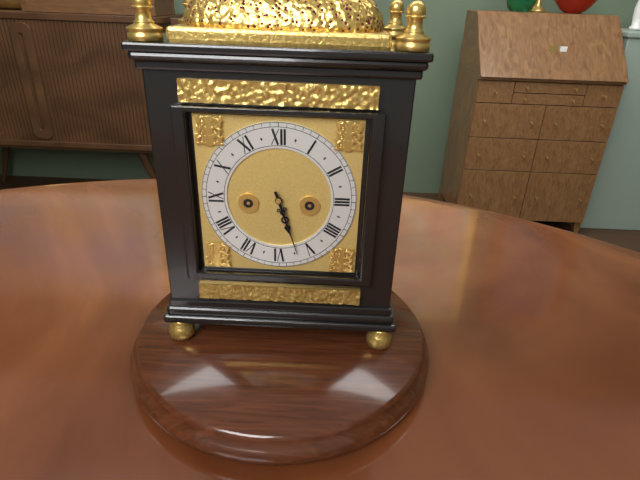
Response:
{"hour": 5, "minute": 27}
